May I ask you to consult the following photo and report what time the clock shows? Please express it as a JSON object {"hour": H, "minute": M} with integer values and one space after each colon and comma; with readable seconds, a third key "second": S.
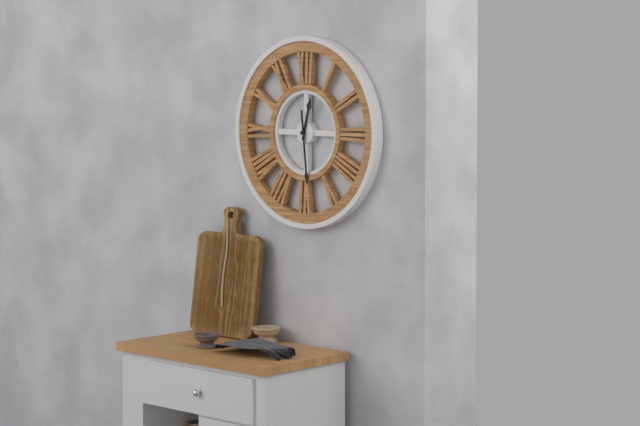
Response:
{"hour": 12, "minute": 29}
